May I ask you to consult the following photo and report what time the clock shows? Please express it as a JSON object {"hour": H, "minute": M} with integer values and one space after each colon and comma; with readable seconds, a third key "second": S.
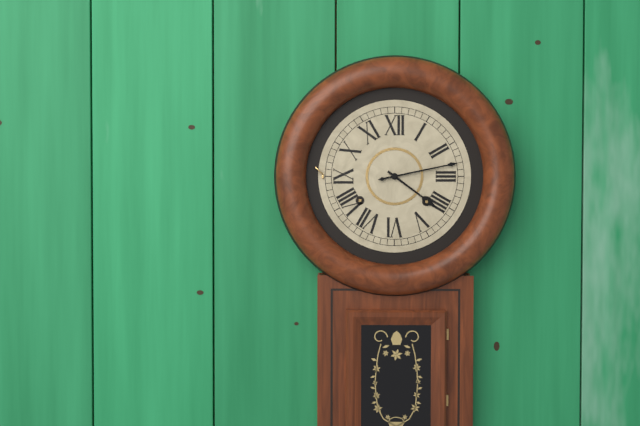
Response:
{"hour": 4, "minute": 13}
